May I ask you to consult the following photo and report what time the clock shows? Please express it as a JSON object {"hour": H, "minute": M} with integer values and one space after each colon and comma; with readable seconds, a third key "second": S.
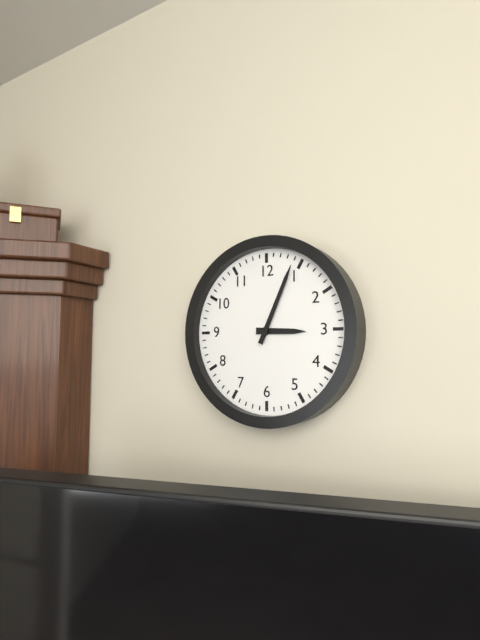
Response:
{"hour": 3, "minute": 4}
